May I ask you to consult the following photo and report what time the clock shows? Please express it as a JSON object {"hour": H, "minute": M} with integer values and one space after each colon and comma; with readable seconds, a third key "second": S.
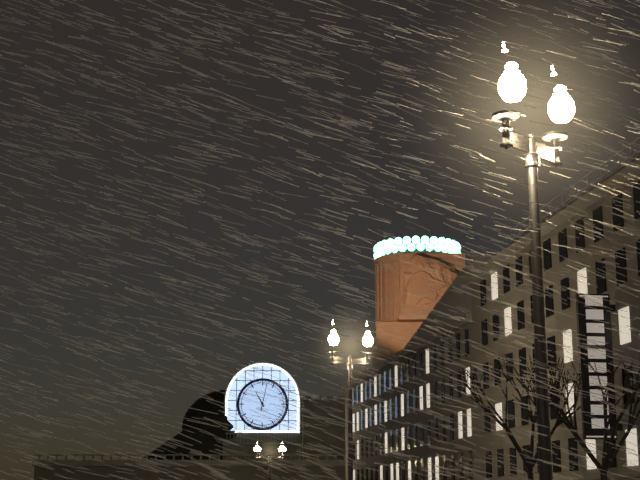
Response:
{"hour": 11, "minute": 2}
